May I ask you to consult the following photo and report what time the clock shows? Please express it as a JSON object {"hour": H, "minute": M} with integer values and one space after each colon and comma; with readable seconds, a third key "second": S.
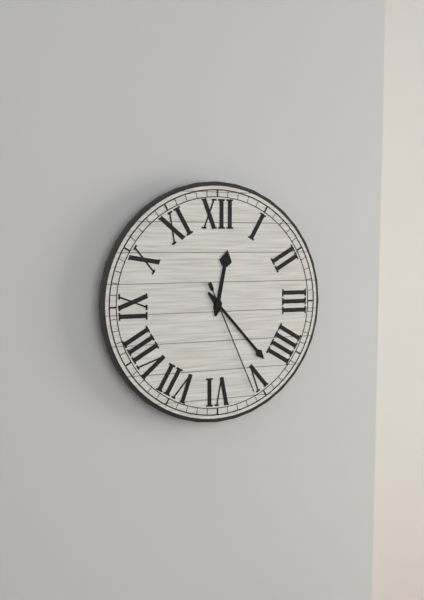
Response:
{"hour": 12, "minute": 23, "second": 26}
